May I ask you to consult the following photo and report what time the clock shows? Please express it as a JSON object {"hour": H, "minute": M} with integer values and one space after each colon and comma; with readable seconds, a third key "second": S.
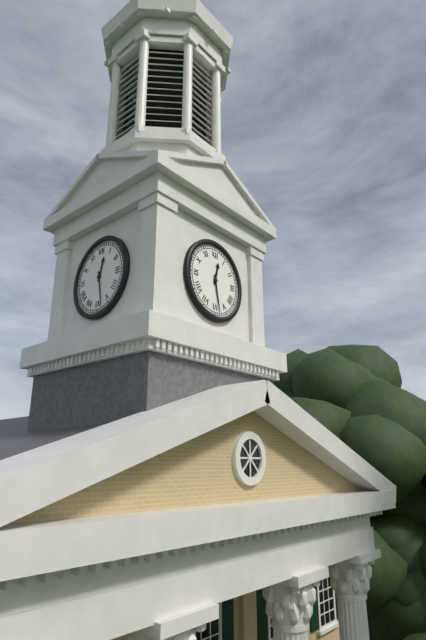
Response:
{"hour": 12, "minute": 28}
